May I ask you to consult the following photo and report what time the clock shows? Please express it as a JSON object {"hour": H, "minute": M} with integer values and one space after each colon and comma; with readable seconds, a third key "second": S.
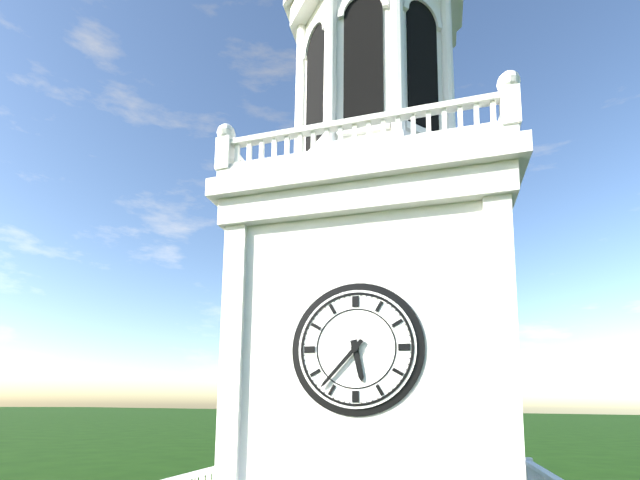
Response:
{"hour": 5, "minute": 37}
